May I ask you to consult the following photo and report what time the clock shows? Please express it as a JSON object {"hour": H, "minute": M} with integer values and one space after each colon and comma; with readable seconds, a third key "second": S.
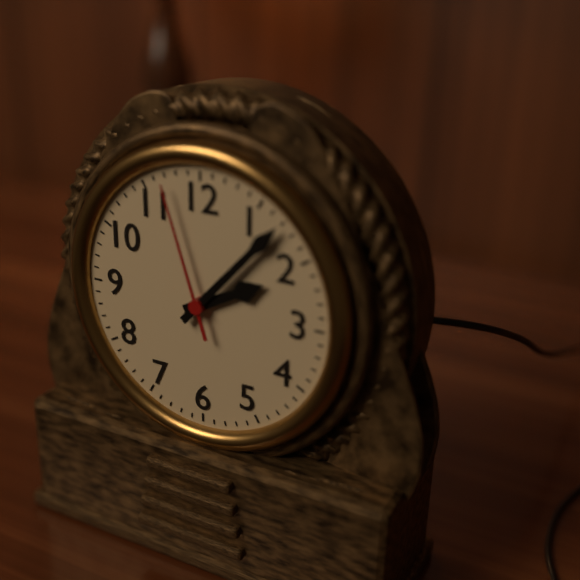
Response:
{"hour": 2, "minute": 7, "second": 57}
